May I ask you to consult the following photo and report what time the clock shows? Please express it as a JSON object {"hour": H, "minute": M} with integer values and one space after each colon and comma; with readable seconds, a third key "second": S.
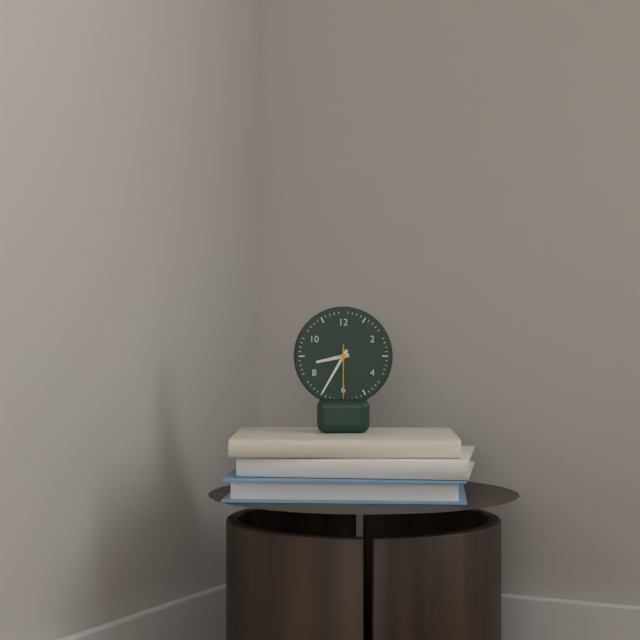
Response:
{"hour": 8, "minute": 35, "second": 30}
